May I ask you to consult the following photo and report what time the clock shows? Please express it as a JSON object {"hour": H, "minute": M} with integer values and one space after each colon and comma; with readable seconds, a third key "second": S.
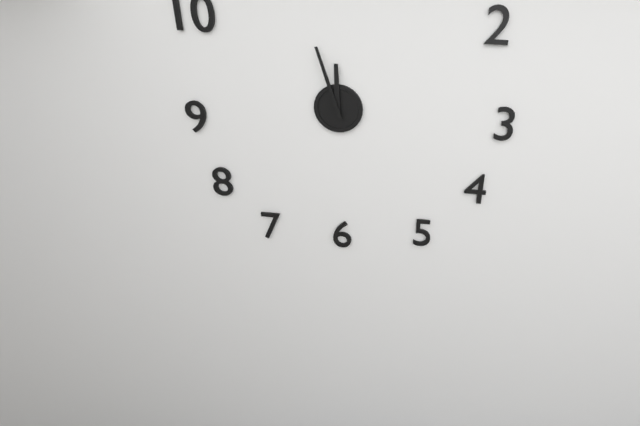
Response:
{"hour": 11, "minute": 57}
